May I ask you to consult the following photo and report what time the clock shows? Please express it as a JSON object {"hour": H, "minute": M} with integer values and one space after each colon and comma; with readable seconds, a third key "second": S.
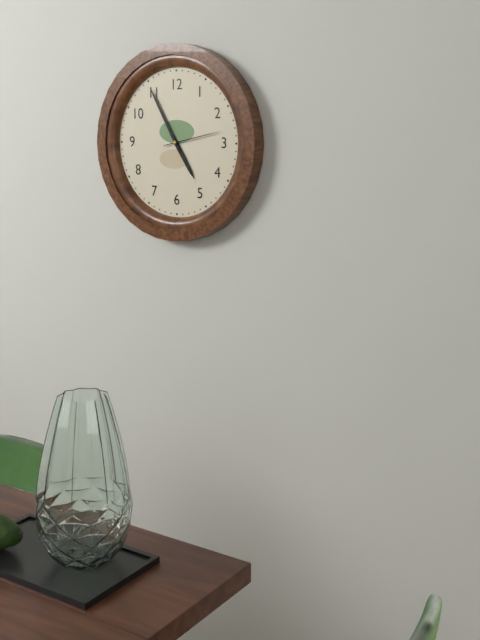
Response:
{"hour": 4, "minute": 55, "second": 13}
